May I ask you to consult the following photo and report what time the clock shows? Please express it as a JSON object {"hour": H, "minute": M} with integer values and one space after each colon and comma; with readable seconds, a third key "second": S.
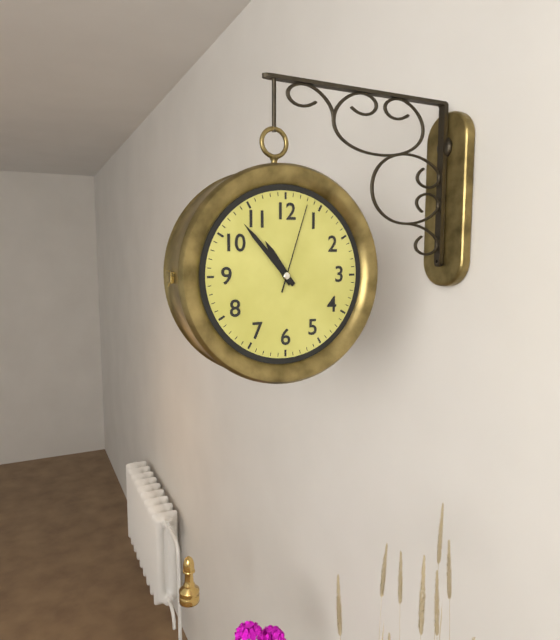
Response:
{"hour": 10, "minute": 53, "second": 3}
